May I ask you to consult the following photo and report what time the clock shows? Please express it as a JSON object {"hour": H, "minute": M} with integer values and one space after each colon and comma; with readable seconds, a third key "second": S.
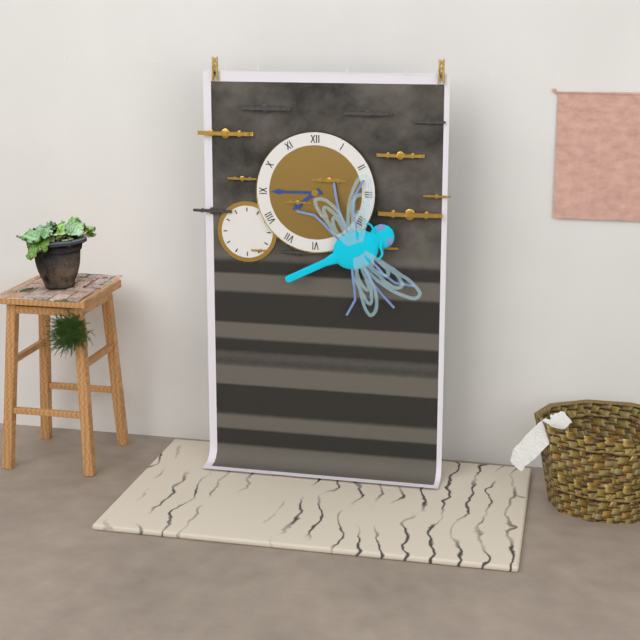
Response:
{"hour": 7, "minute": 45}
